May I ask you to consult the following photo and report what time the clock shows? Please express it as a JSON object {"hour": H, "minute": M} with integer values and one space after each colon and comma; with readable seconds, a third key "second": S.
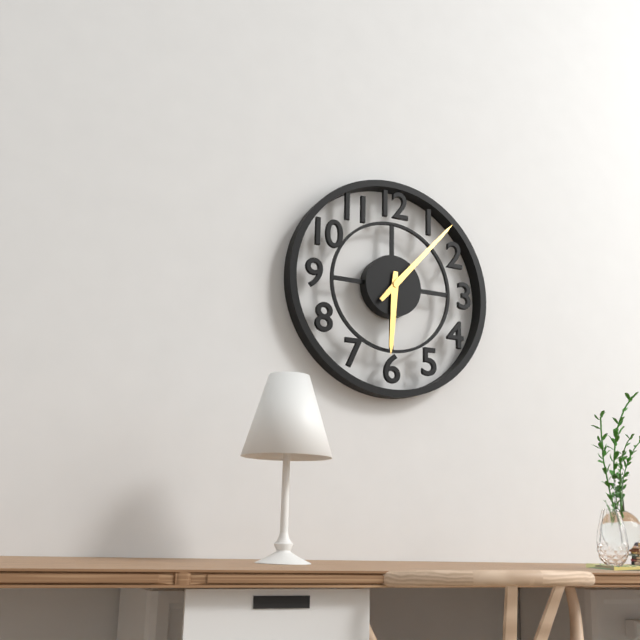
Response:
{"hour": 6, "minute": 7}
